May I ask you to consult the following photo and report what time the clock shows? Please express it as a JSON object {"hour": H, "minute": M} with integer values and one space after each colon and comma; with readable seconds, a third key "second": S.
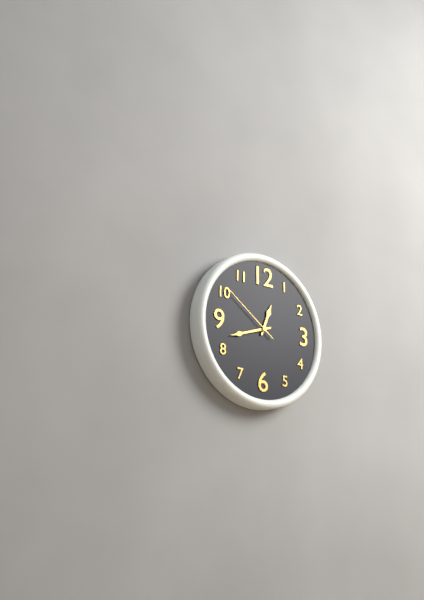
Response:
{"hour": 12, "minute": 42, "second": 51}
